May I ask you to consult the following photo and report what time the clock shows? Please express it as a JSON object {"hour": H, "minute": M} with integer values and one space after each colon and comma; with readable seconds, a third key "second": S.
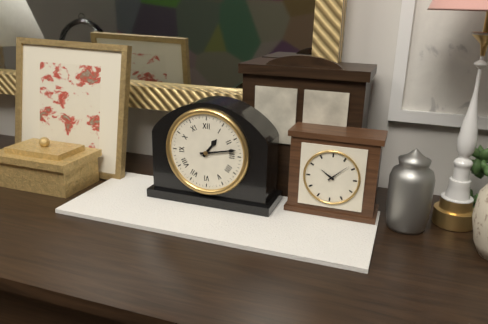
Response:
{"hour": 1, "minute": 13}
